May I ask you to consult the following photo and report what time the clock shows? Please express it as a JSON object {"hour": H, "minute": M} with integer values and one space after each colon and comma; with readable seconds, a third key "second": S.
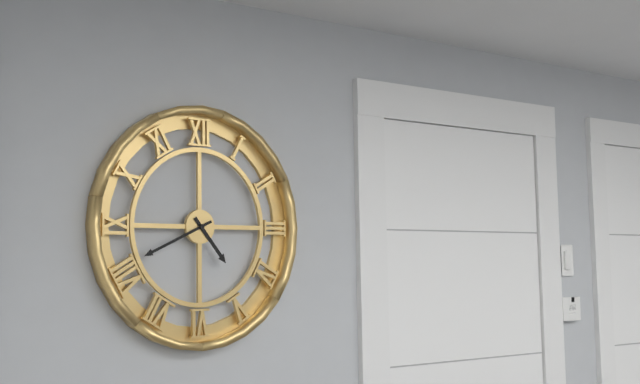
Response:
{"hour": 4, "minute": 41}
